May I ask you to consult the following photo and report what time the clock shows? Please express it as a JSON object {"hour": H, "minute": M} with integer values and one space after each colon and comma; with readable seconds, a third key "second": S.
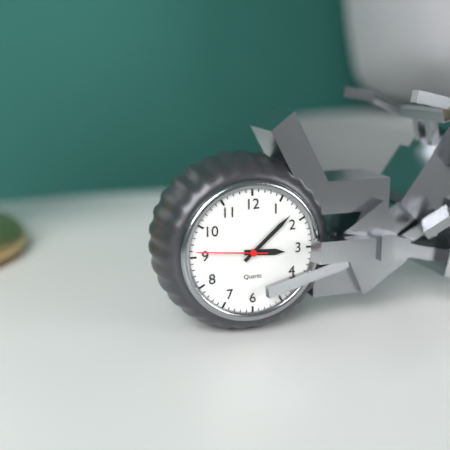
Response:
{"hour": 3, "minute": 8, "second": 46}
